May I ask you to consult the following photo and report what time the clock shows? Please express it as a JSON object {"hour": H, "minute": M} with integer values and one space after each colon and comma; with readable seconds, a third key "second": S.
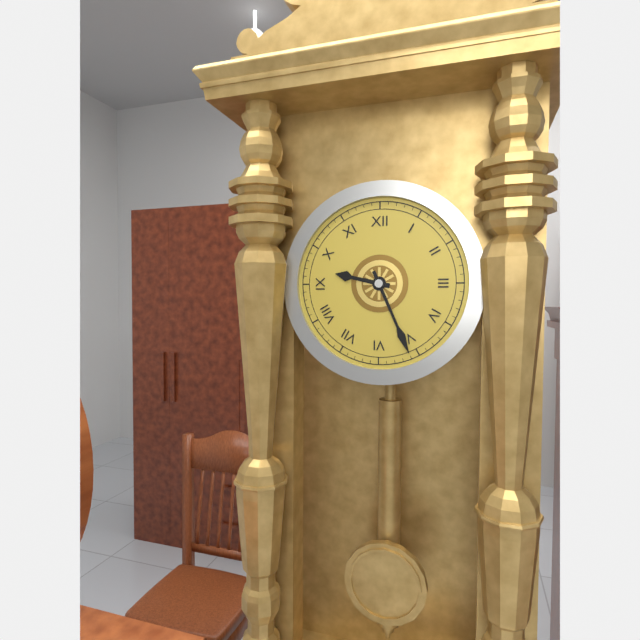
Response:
{"hour": 9, "minute": 26}
